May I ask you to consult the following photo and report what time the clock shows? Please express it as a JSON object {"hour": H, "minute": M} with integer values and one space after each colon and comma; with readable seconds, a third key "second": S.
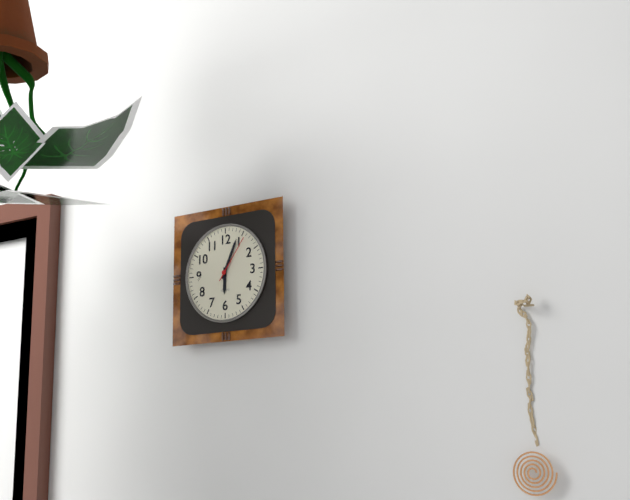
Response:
{"hour": 6, "minute": 4, "second": 6}
